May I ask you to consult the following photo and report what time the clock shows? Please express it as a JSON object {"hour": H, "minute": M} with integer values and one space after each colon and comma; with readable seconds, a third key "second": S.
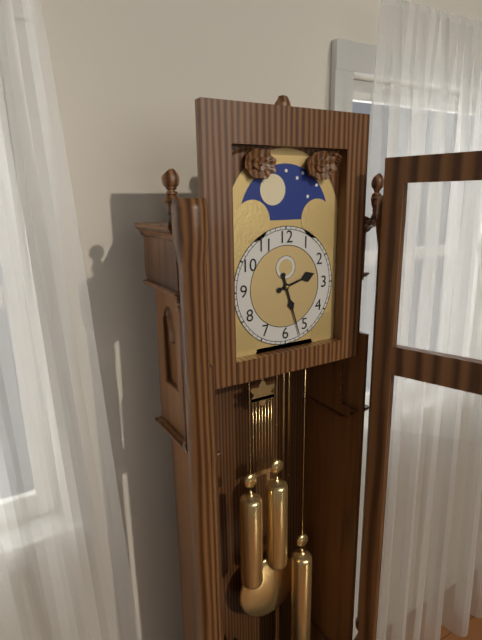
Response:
{"hour": 2, "minute": 27}
